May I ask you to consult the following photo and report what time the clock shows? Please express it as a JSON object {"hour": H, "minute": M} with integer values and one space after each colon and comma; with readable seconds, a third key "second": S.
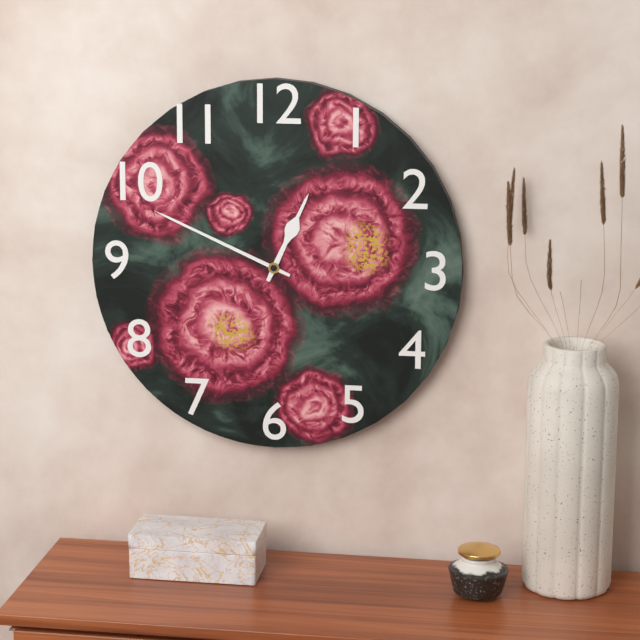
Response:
{"hour": 12, "minute": 49}
